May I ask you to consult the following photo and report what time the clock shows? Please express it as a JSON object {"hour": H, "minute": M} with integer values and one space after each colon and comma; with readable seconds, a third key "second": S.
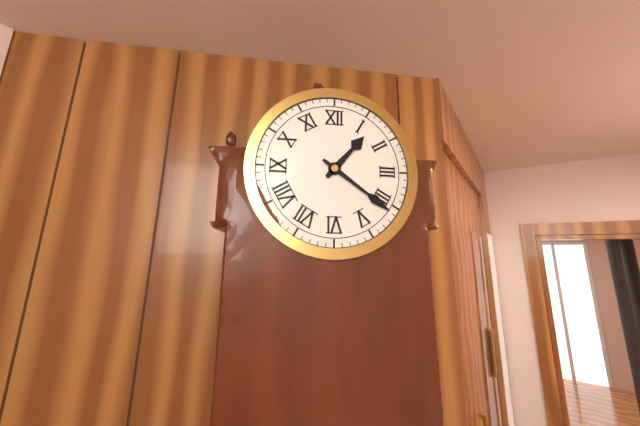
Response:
{"hour": 1, "minute": 21}
